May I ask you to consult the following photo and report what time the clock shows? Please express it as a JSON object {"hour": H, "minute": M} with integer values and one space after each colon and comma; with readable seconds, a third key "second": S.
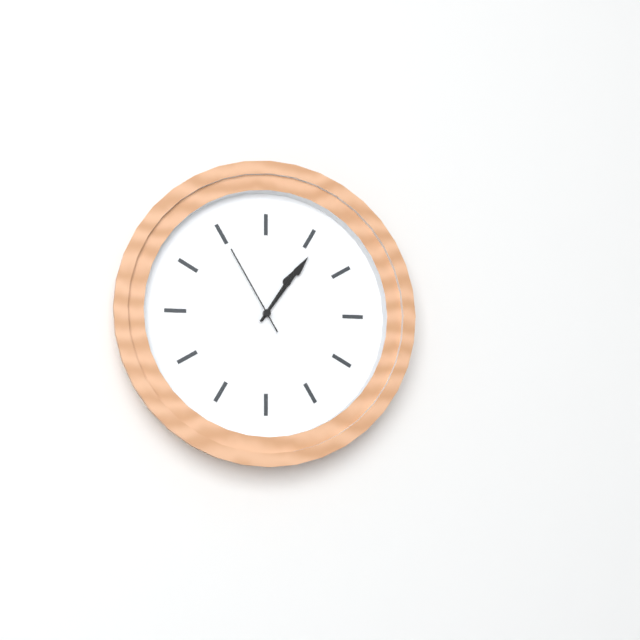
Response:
{"hour": 1, "minute": 6, "second": 55}
